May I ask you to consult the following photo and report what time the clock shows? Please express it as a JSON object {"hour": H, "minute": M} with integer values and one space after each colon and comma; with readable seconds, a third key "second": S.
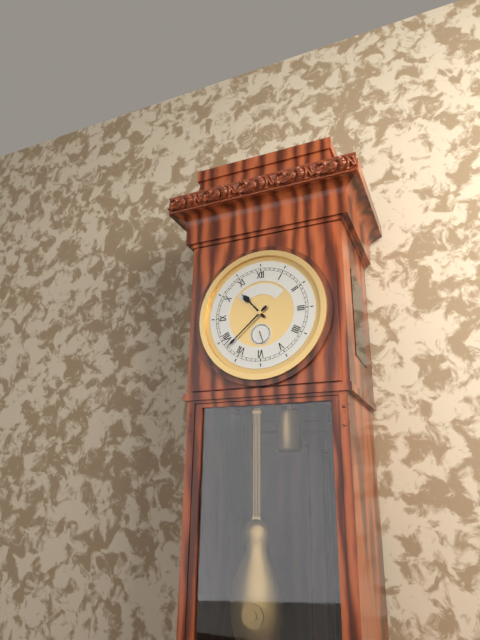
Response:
{"hour": 10, "minute": 38}
